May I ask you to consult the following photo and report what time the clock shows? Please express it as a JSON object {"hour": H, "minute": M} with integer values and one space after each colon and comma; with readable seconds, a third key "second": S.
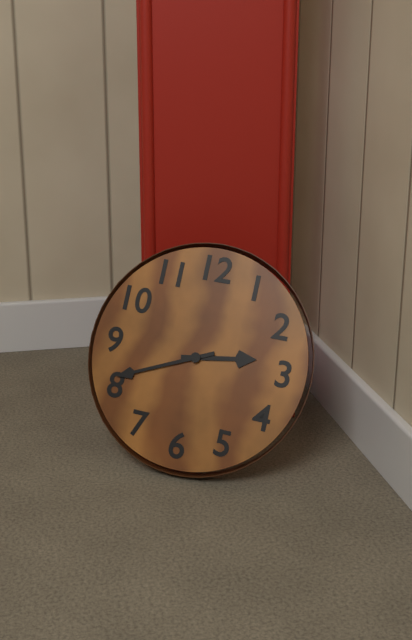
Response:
{"hour": 2, "minute": 41}
